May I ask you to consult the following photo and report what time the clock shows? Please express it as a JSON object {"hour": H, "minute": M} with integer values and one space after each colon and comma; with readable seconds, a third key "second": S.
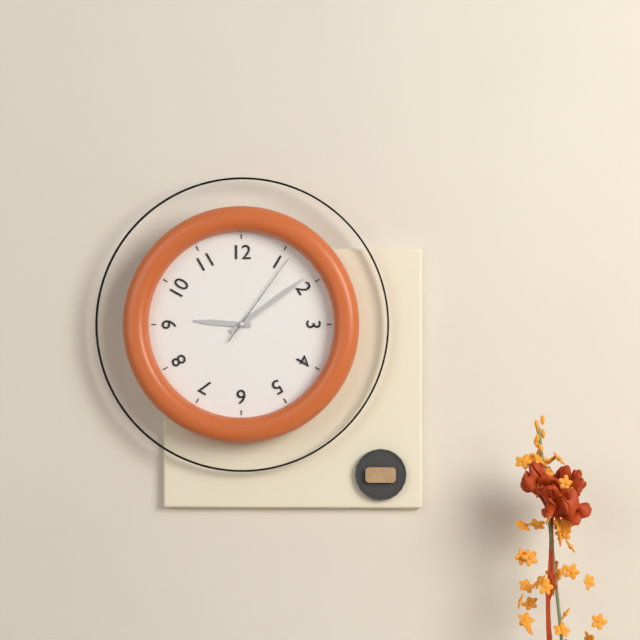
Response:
{"hour": 9, "minute": 9, "second": 6}
